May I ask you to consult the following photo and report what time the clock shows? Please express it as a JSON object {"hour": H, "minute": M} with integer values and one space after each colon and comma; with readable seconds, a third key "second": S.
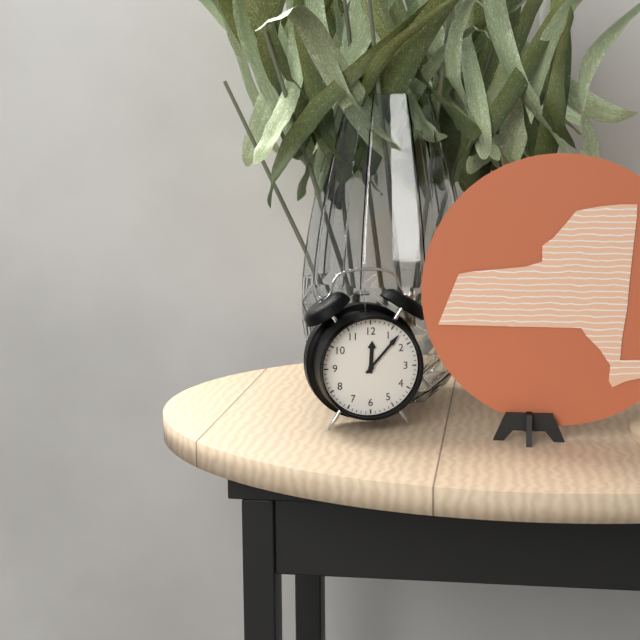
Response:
{"hour": 12, "minute": 7}
